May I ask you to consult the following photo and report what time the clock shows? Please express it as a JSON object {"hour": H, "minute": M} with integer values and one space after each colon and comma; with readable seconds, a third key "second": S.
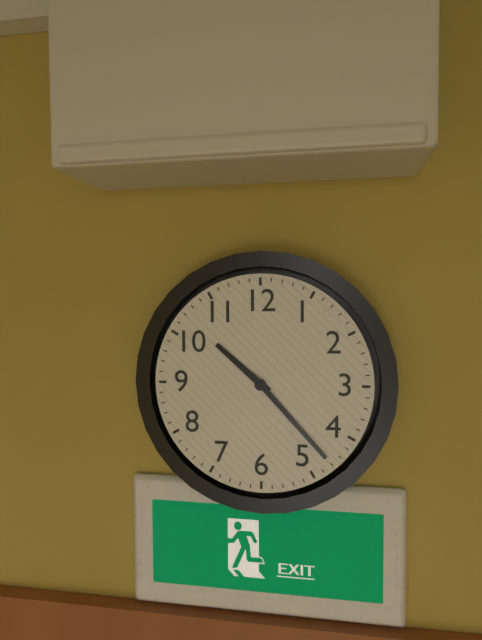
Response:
{"hour": 10, "minute": 23}
